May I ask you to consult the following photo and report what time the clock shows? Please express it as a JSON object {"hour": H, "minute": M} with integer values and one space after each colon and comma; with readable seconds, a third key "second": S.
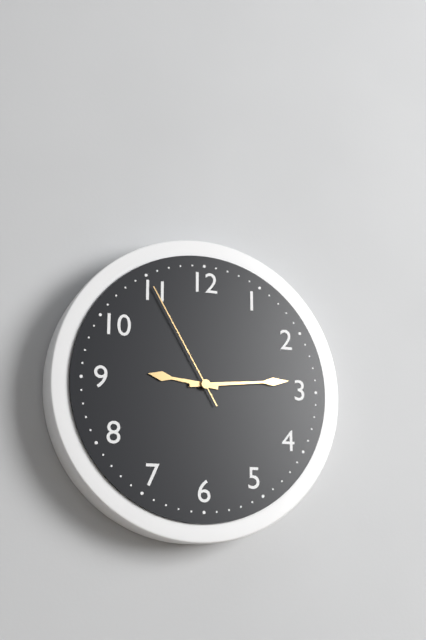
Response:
{"hour": 9, "minute": 14, "second": 55}
